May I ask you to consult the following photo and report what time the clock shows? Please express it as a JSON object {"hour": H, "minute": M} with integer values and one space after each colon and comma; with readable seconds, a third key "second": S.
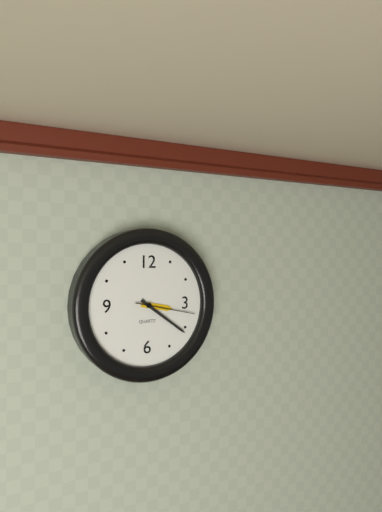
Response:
{"hour": 3, "minute": 21, "second": 17}
